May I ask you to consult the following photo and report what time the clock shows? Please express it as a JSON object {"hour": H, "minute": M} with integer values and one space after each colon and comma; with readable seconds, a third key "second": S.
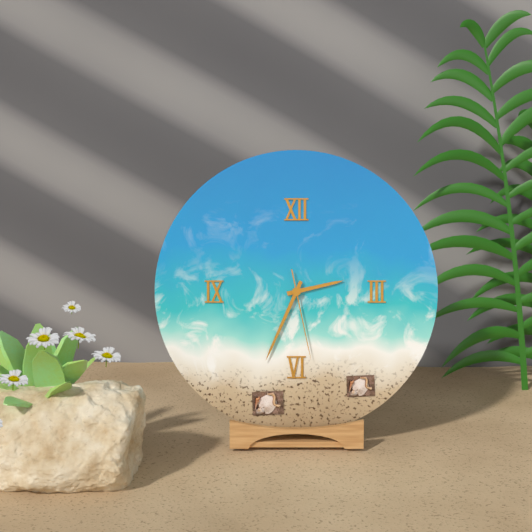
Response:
{"hour": 2, "minute": 34, "second": 28}
